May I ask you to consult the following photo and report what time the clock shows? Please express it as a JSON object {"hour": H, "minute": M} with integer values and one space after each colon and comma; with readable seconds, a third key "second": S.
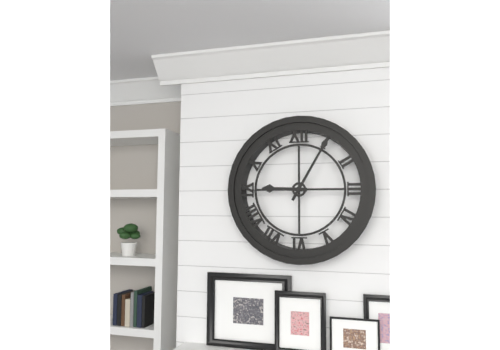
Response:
{"hour": 9, "minute": 5}
